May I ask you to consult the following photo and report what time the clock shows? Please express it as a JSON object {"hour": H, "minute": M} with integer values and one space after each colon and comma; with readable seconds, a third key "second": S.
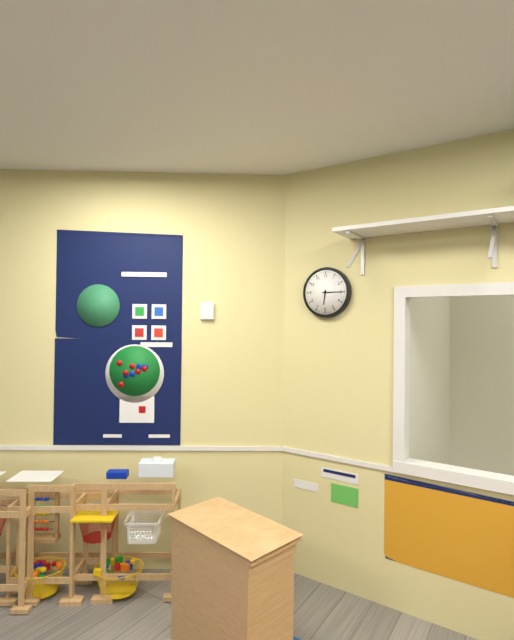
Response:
{"hour": 6, "minute": 15}
